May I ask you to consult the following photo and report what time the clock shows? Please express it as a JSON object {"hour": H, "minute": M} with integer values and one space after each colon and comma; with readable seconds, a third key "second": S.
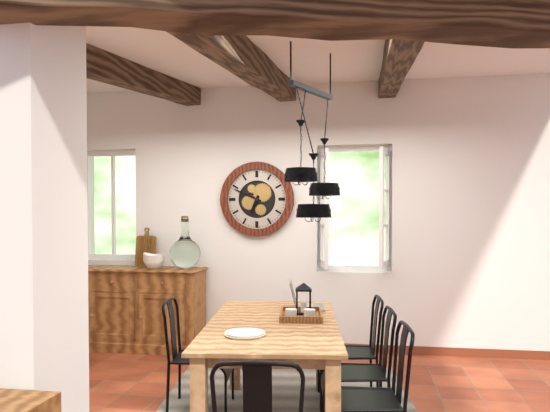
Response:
{"hour": 6, "minute": 49}
